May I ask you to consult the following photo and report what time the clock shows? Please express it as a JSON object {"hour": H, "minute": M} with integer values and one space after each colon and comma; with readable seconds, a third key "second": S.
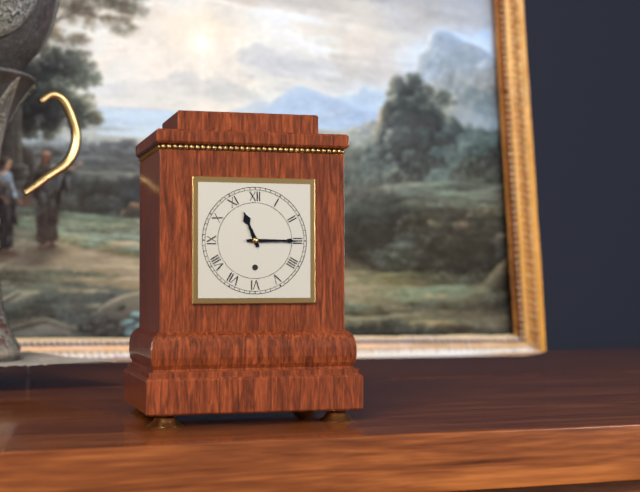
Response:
{"hour": 11, "minute": 15}
